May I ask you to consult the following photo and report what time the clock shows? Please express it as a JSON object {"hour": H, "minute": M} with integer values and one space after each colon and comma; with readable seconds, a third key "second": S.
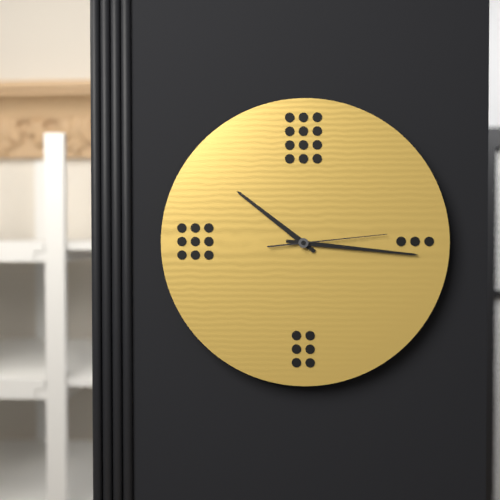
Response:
{"hour": 10, "minute": 16, "second": 14}
